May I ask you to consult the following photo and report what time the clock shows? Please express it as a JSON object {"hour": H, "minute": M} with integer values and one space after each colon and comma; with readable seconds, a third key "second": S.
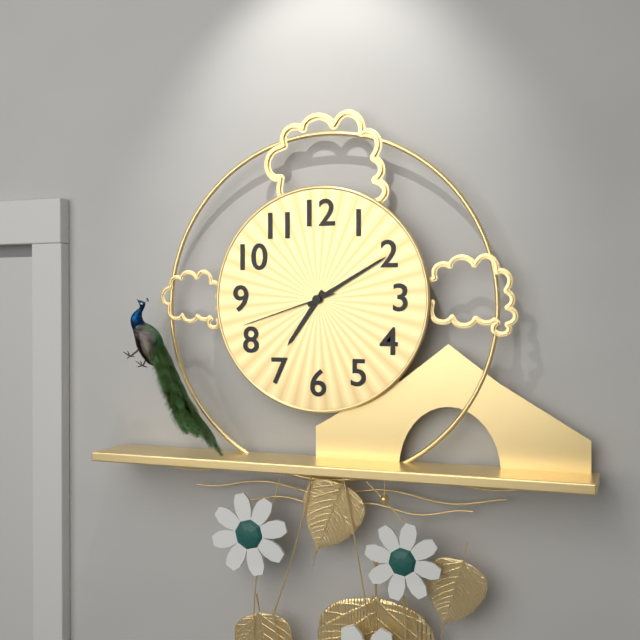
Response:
{"hour": 7, "minute": 10, "second": 42}
